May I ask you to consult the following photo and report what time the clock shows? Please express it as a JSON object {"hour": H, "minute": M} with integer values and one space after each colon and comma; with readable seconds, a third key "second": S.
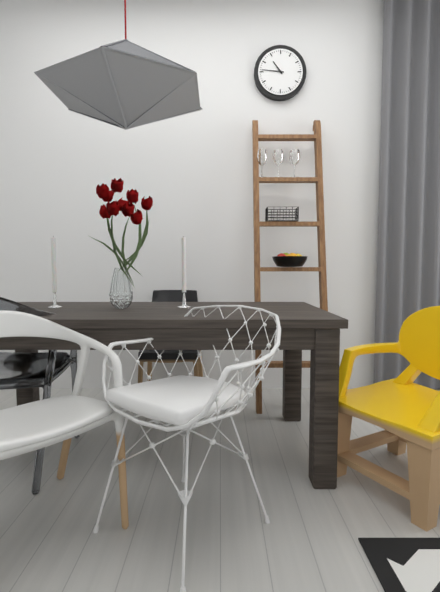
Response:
{"hour": 10, "minute": 46}
